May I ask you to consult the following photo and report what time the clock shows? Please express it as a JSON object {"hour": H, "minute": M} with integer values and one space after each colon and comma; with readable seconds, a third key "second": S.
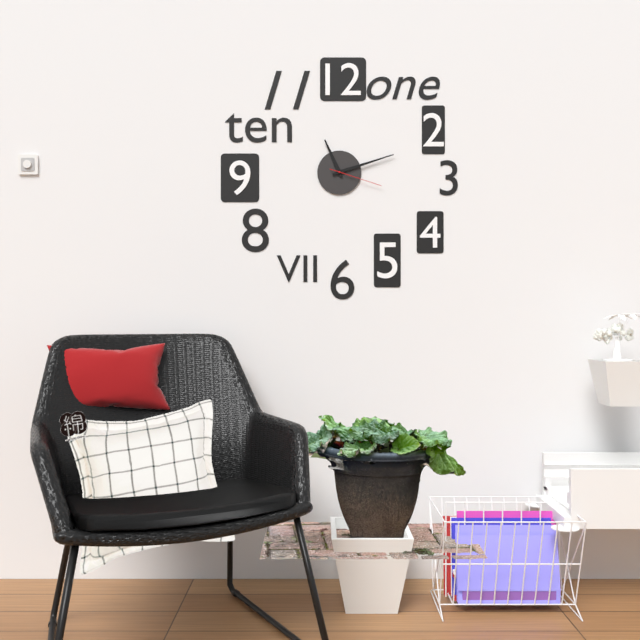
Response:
{"hour": 11, "minute": 12, "second": 18}
